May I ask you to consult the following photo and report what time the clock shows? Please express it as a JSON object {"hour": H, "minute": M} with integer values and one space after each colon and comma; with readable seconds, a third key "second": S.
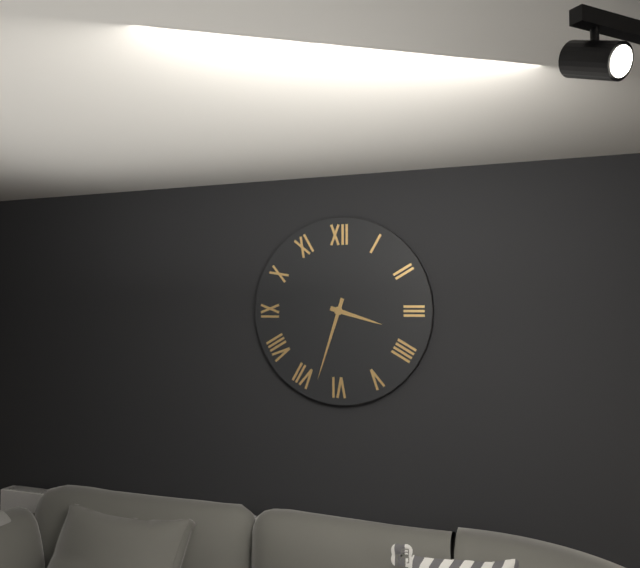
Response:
{"hour": 3, "minute": 33}
